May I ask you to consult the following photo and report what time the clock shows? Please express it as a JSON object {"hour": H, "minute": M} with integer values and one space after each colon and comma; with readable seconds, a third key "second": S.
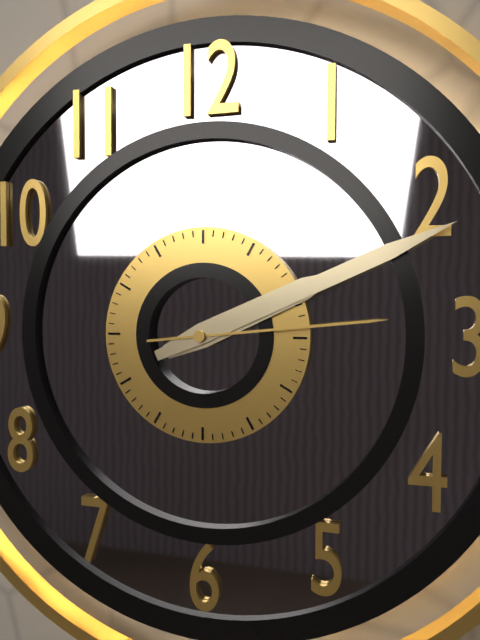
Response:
{"hour": 2, "minute": 11, "second": 14}
